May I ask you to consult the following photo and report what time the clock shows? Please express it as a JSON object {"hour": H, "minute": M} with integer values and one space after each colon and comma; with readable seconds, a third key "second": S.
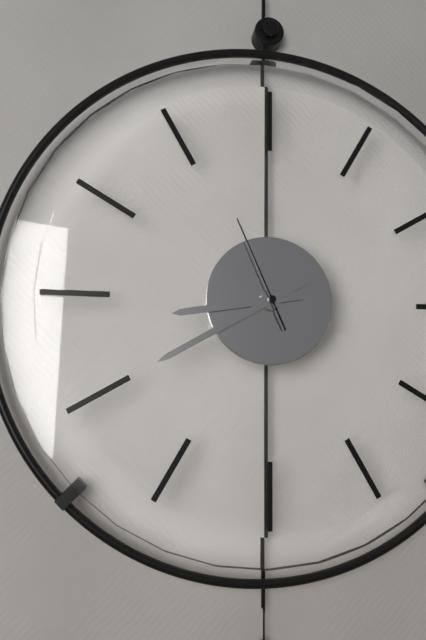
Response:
{"hour": 8, "minute": 40, "second": 56}
